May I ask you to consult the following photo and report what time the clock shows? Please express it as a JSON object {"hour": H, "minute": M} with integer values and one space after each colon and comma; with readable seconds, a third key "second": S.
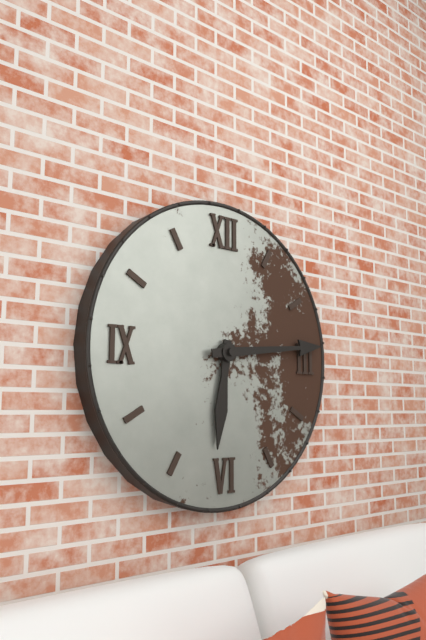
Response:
{"hour": 6, "minute": 14}
